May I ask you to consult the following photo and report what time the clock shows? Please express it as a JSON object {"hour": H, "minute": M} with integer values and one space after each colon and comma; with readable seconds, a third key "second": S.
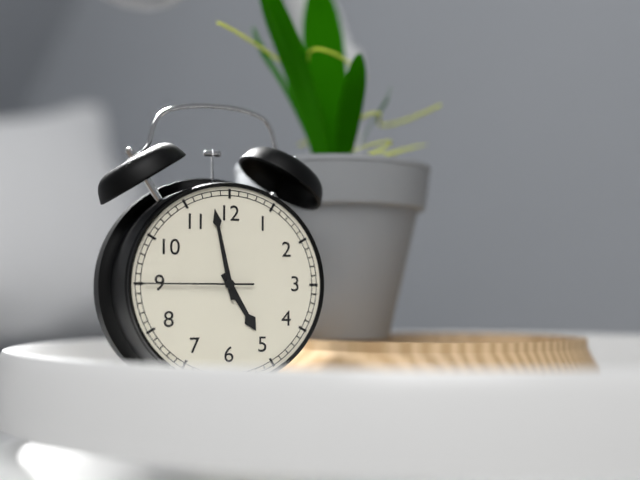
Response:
{"hour": 4, "minute": 58, "second": 45}
